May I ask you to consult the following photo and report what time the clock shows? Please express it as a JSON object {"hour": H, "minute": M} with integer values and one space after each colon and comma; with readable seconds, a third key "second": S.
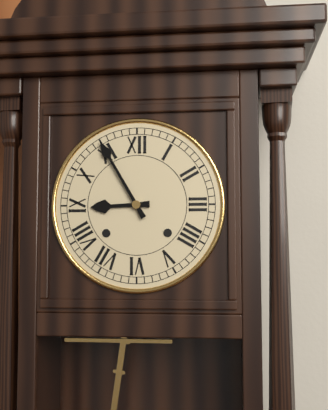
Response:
{"hour": 8, "minute": 55}
